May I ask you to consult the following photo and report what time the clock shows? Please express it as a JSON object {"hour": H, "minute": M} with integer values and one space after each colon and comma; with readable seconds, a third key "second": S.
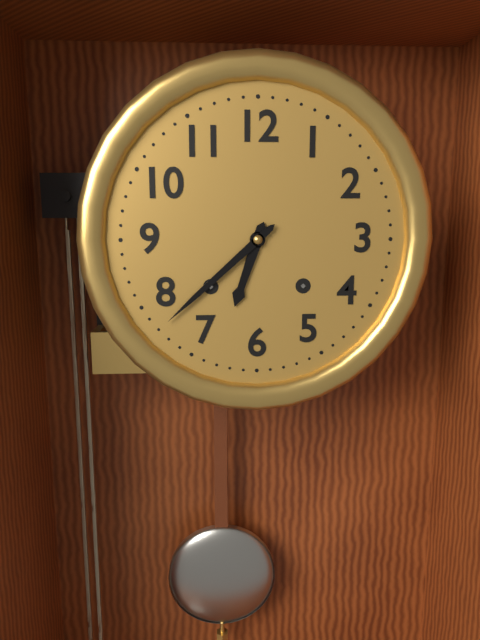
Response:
{"hour": 6, "minute": 38}
